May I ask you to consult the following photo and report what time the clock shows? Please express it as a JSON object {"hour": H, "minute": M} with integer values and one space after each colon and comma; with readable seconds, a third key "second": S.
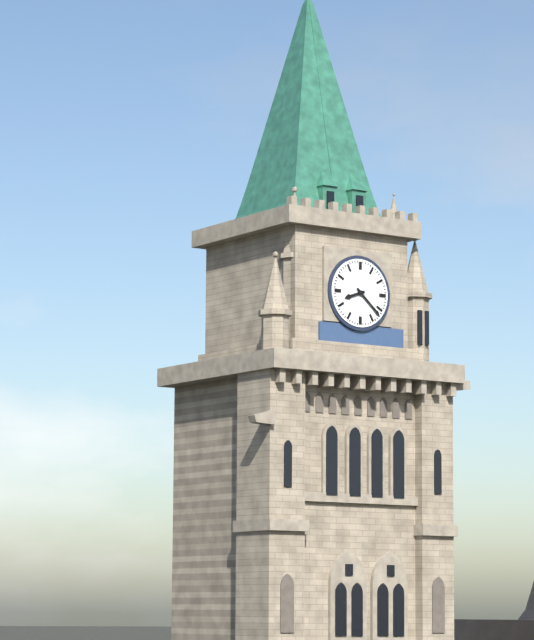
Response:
{"hour": 8, "minute": 22}
